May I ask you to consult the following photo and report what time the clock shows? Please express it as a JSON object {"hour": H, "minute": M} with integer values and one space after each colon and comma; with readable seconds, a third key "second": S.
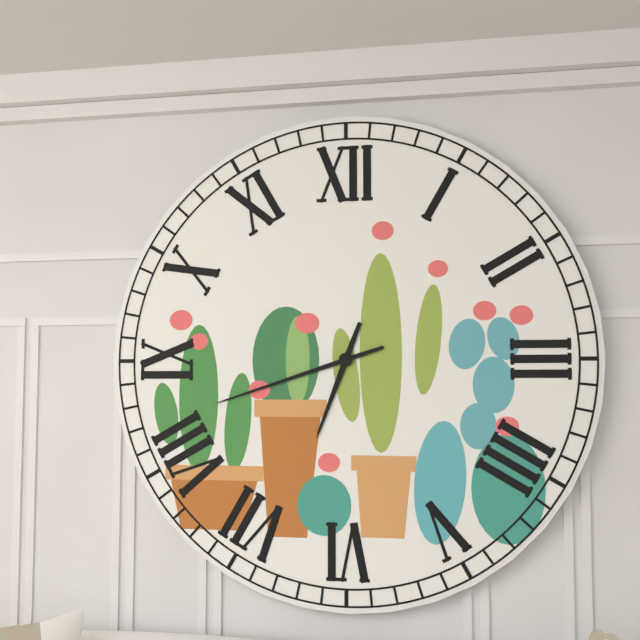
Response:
{"hour": 6, "minute": 42}
